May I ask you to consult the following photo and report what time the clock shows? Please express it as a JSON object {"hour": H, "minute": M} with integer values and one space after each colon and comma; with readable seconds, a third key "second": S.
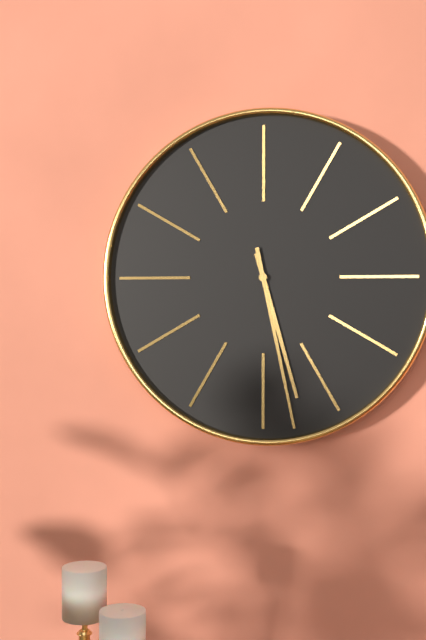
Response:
{"hour": 5, "minute": 28}
